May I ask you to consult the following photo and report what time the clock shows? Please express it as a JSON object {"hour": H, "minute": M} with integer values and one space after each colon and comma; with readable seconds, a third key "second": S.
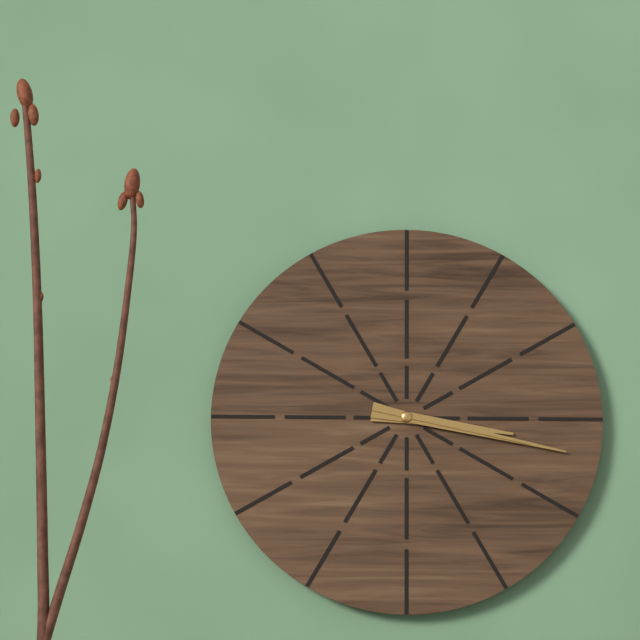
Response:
{"hour": 3, "minute": 17, "second": 17}
